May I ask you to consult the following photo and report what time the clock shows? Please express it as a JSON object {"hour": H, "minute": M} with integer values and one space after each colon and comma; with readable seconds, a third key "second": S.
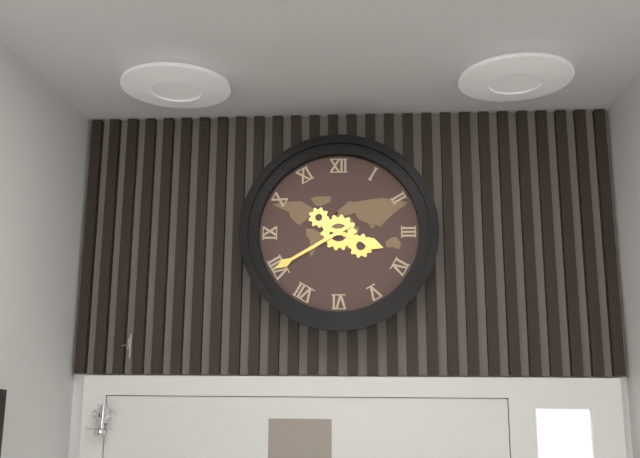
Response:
{"hour": 3, "minute": 40}
